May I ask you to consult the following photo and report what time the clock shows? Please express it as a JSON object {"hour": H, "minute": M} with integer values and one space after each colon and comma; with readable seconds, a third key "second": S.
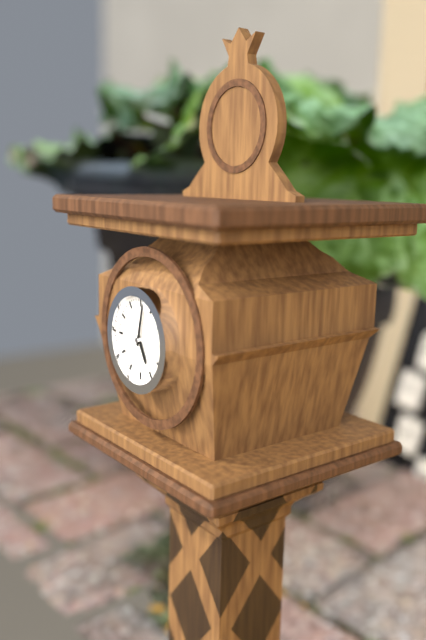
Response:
{"hour": 5, "minute": 2}
